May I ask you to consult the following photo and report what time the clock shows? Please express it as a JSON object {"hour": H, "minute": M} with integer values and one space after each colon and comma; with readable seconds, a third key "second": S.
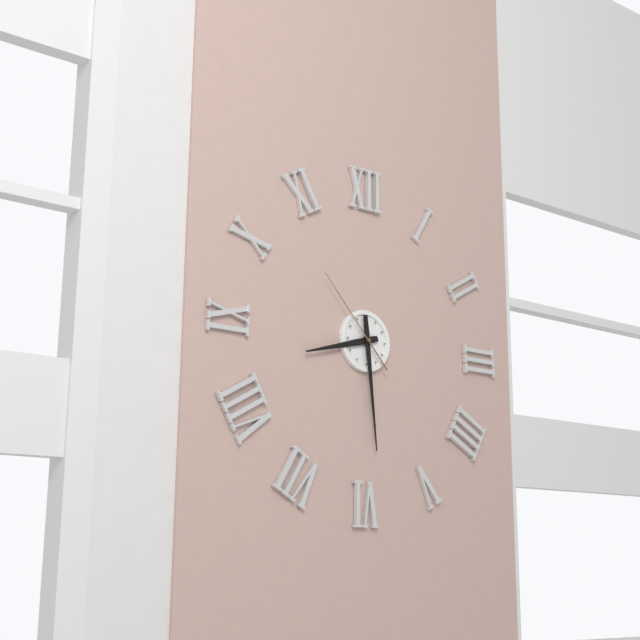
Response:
{"hour": 8, "minute": 29, "second": 53}
